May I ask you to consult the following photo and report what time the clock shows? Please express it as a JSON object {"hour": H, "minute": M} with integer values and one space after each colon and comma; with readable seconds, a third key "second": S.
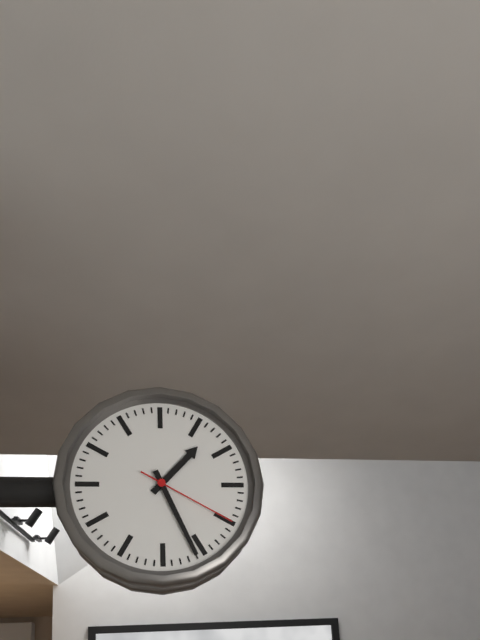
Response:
{"hour": 1, "minute": 26, "second": 20}
